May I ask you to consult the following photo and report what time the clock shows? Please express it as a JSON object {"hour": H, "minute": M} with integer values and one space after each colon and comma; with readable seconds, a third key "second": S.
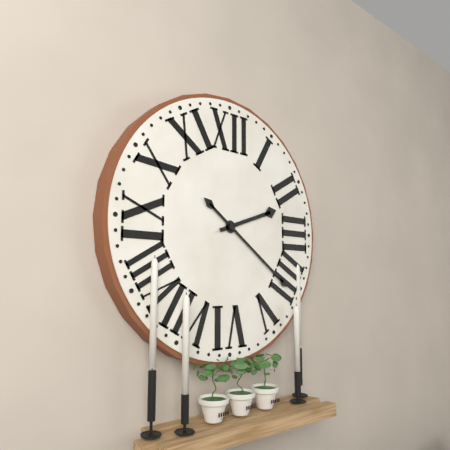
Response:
{"hour": 2, "minute": 21}
